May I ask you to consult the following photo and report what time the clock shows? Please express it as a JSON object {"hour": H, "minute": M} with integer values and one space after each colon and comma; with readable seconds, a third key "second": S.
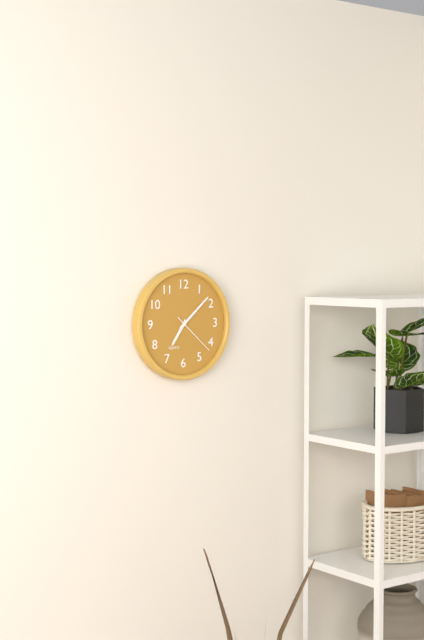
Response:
{"hour": 7, "minute": 8}
